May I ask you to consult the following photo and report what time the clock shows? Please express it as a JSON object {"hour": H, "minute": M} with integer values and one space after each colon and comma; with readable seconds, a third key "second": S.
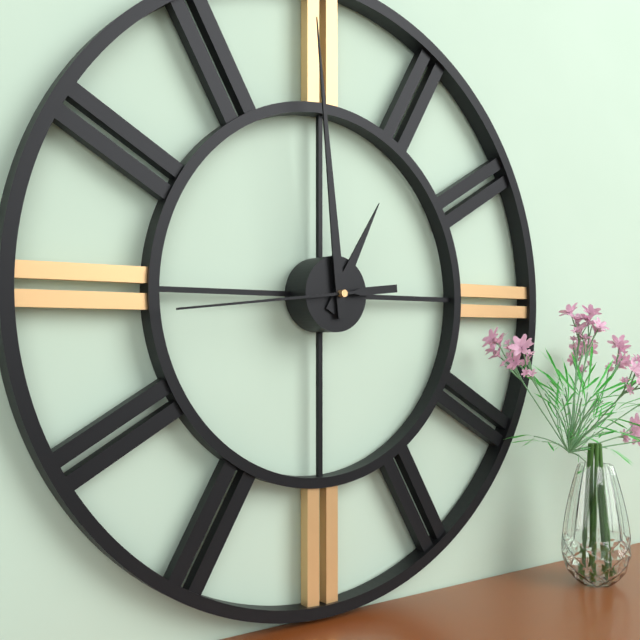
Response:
{"hour": 12, "minute": 59, "second": 44}
